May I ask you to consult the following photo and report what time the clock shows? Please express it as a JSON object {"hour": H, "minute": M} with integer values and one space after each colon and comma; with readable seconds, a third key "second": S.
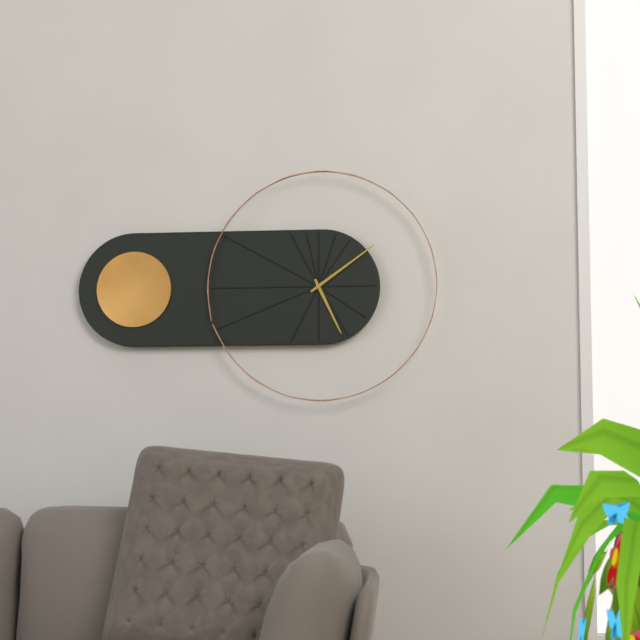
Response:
{"hour": 5, "minute": 9}
